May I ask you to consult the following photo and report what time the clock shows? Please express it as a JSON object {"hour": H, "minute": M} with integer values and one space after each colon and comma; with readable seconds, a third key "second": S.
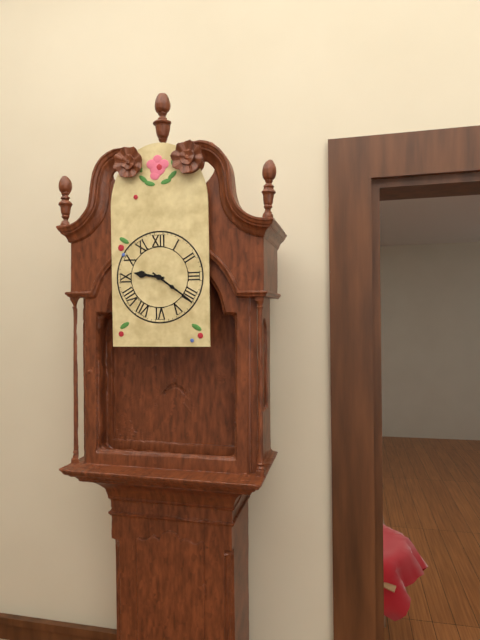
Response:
{"hour": 9, "minute": 21}
